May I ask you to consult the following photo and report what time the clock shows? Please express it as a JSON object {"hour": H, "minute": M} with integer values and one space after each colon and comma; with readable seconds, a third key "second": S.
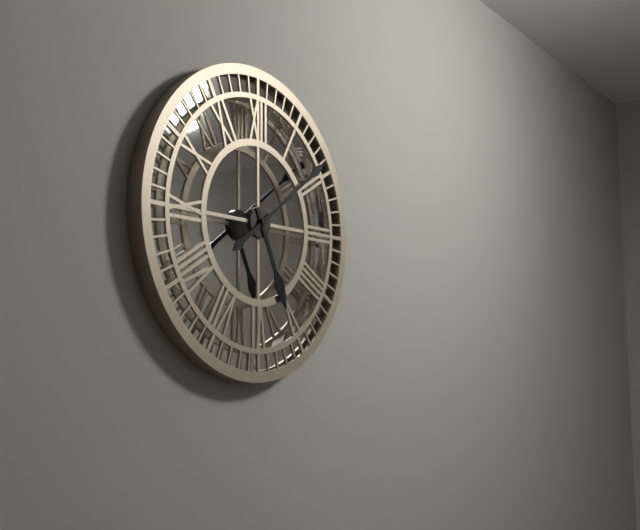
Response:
{"hour": 5, "minute": 9}
